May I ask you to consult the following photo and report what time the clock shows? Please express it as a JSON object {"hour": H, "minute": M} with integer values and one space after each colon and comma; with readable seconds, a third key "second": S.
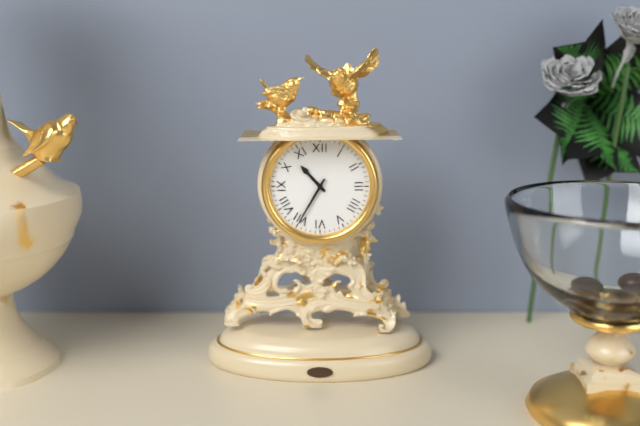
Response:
{"hour": 10, "minute": 35}
